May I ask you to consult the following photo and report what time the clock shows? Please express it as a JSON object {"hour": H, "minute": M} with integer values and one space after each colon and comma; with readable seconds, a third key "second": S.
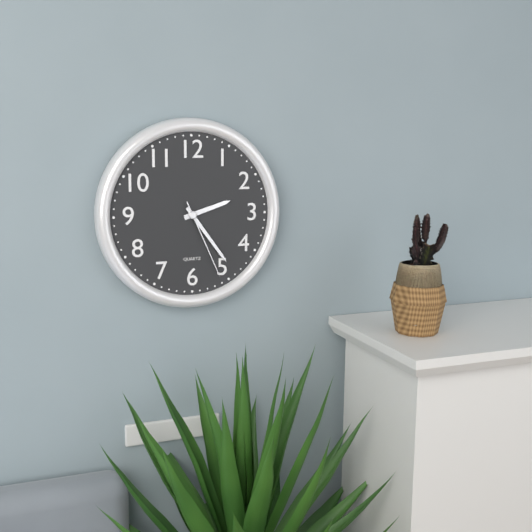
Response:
{"hour": 2, "minute": 24, "second": 26}
